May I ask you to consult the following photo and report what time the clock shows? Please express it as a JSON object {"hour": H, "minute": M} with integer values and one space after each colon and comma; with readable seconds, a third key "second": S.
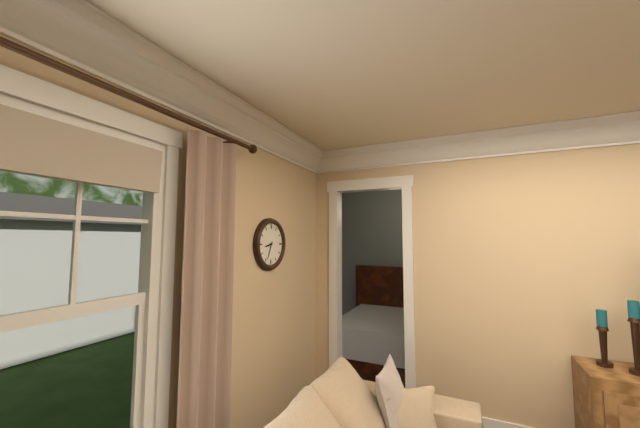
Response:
{"hour": 8, "minute": 34}
